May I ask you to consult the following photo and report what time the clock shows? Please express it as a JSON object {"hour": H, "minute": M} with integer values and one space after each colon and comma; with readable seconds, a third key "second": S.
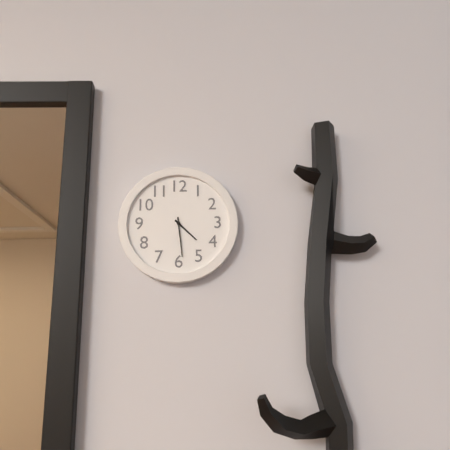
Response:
{"hour": 4, "minute": 29}
